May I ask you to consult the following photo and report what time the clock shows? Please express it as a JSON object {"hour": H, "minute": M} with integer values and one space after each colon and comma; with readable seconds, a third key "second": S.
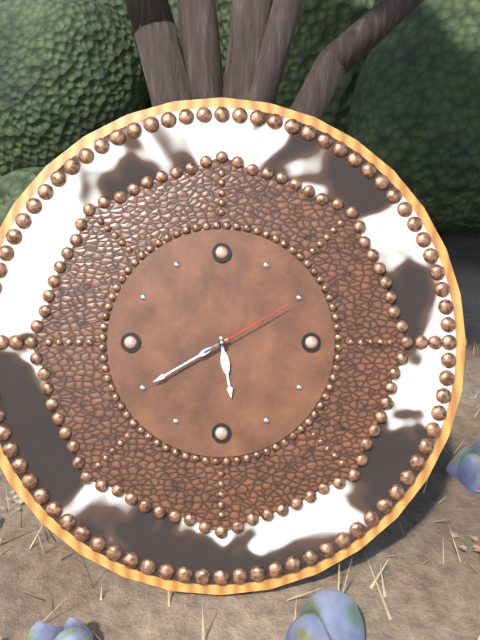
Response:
{"hour": 5, "minute": 40, "second": 10}
